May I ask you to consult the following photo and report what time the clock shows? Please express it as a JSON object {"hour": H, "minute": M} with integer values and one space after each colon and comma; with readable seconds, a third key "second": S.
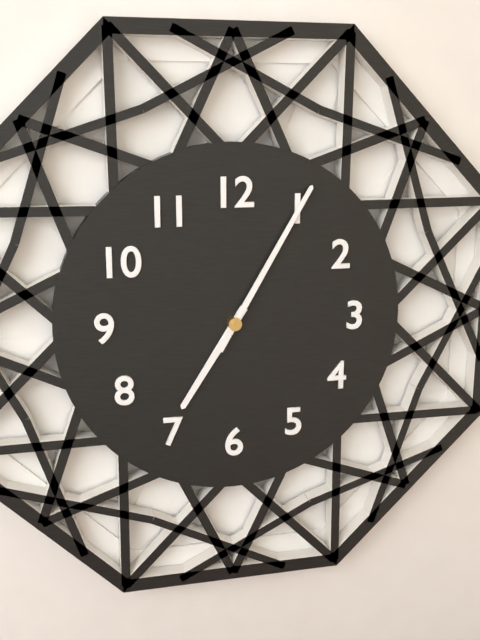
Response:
{"hour": 7, "minute": 5}
